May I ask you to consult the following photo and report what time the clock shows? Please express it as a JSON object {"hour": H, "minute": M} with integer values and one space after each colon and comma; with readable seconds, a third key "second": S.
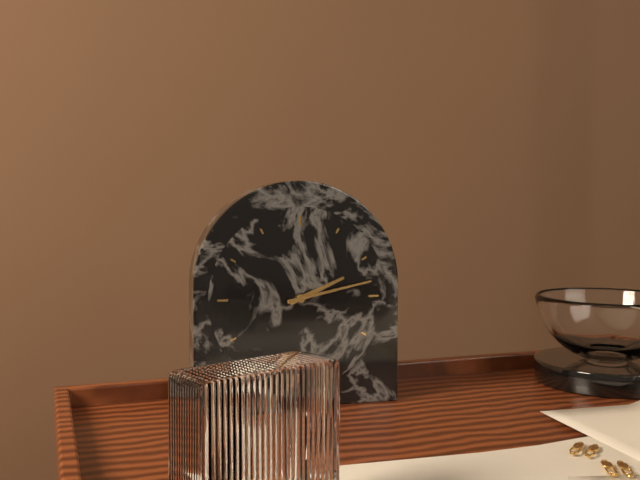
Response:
{"hour": 2, "minute": 13}
